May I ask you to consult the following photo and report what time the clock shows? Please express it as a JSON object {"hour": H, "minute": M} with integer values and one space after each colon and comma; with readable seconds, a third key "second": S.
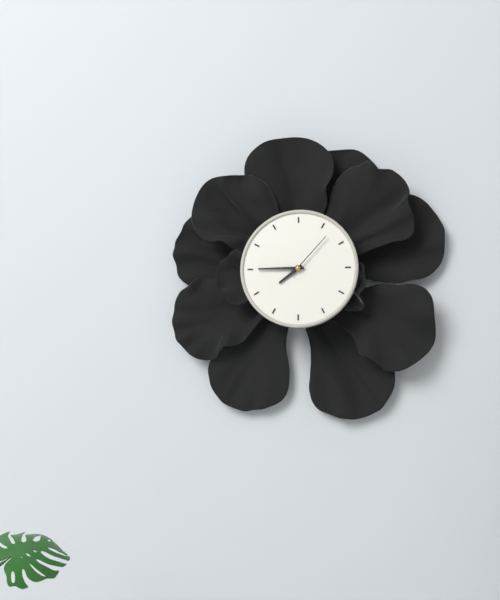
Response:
{"hour": 7, "minute": 45, "second": 7}
